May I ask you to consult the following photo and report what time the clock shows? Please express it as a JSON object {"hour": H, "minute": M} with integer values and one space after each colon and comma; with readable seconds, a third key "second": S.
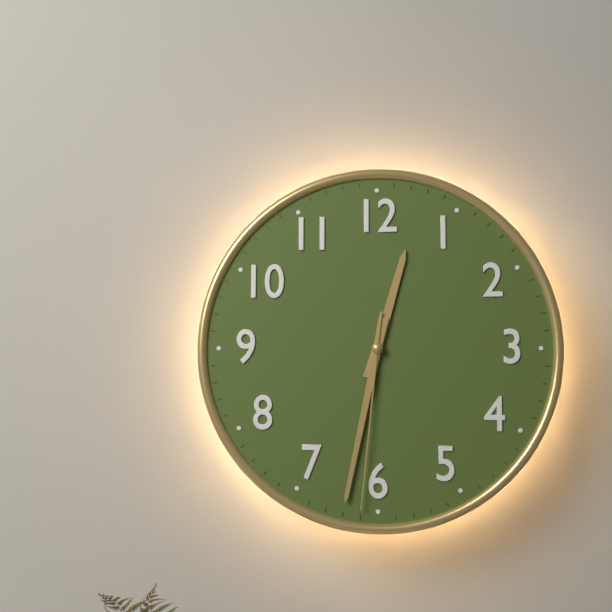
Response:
{"hour": 12, "minute": 32, "second": 31}
